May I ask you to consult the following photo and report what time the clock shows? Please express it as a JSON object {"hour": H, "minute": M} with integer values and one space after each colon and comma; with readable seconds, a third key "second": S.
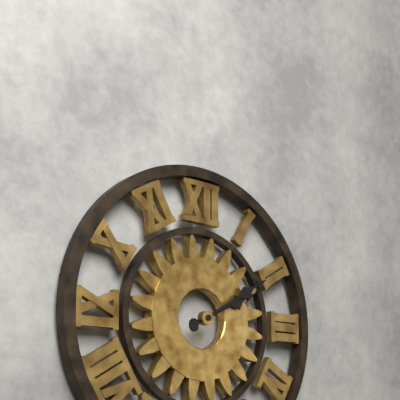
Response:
{"hour": 2, "minute": 10}
